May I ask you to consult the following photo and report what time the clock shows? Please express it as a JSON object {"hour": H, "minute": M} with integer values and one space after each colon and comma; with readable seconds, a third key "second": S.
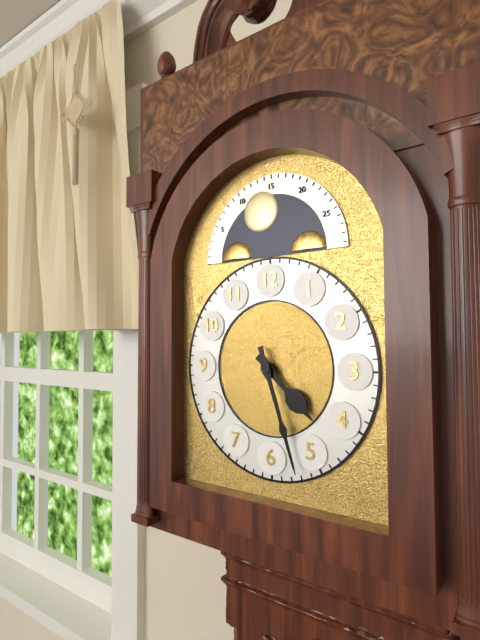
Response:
{"hour": 4, "minute": 27}
